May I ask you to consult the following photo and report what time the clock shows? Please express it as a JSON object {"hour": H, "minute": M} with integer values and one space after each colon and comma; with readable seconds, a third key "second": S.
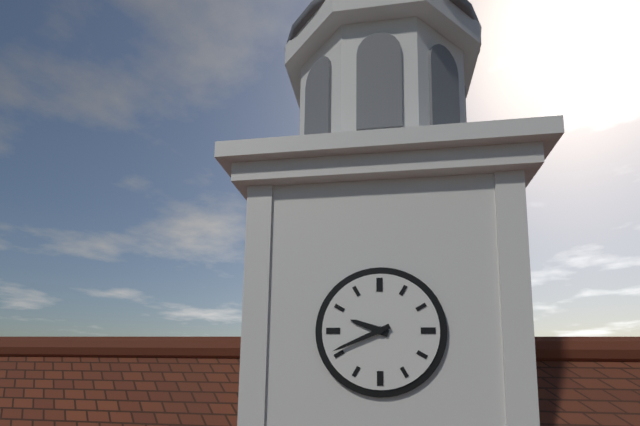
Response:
{"hour": 9, "minute": 41}
